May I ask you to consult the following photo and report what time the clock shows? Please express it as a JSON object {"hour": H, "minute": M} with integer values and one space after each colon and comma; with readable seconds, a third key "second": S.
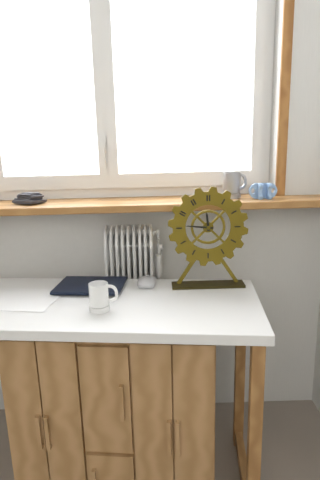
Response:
{"hour": 11, "minute": 46}
